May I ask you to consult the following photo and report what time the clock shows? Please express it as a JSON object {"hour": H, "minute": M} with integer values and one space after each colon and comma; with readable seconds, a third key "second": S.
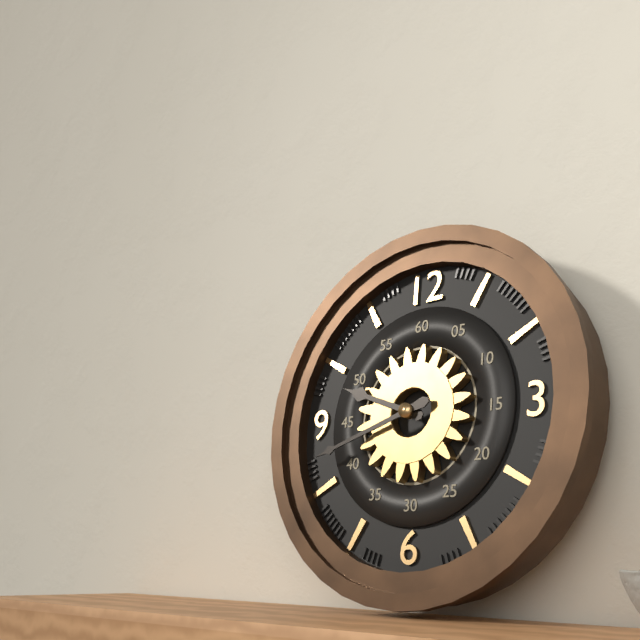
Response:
{"hour": 9, "minute": 42}
